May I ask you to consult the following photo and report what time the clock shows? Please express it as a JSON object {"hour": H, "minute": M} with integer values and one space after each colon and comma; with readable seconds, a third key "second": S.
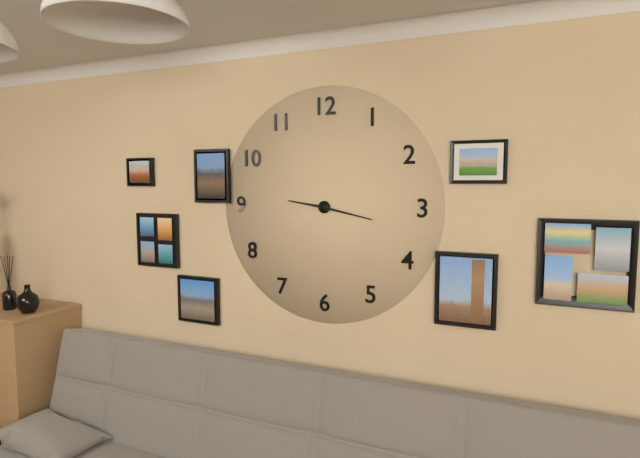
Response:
{"hour": 9, "minute": 17}
